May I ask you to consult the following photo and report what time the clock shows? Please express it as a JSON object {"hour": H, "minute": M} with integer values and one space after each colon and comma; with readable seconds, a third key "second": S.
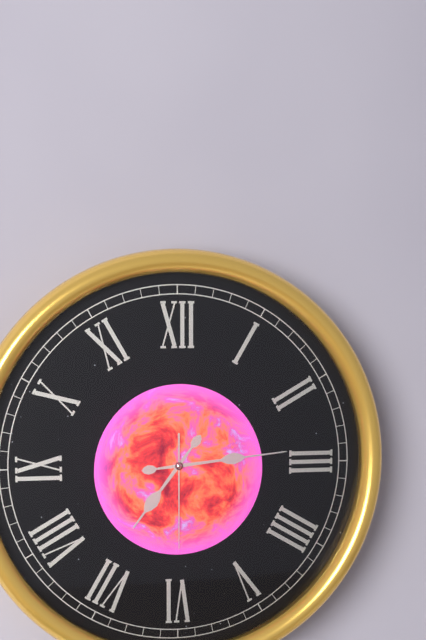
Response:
{"hour": 7, "minute": 14, "second": 30}
